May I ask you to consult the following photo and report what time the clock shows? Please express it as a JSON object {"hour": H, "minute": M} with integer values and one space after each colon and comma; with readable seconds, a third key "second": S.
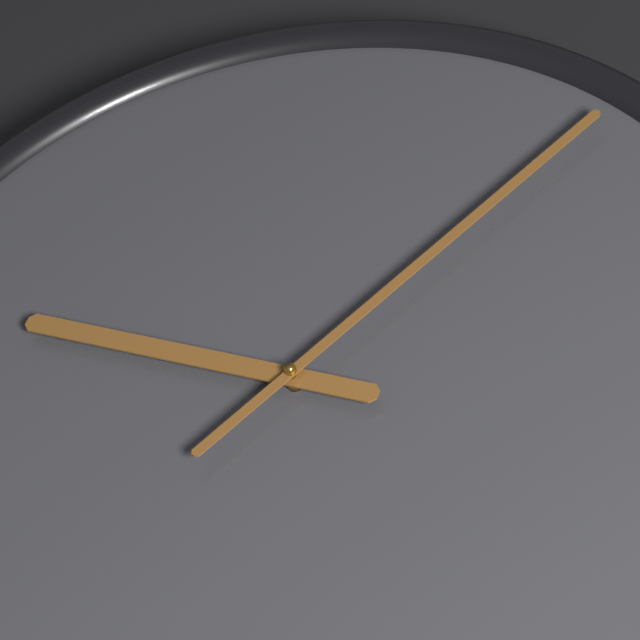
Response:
{"hour": 10, "minute": 10}
